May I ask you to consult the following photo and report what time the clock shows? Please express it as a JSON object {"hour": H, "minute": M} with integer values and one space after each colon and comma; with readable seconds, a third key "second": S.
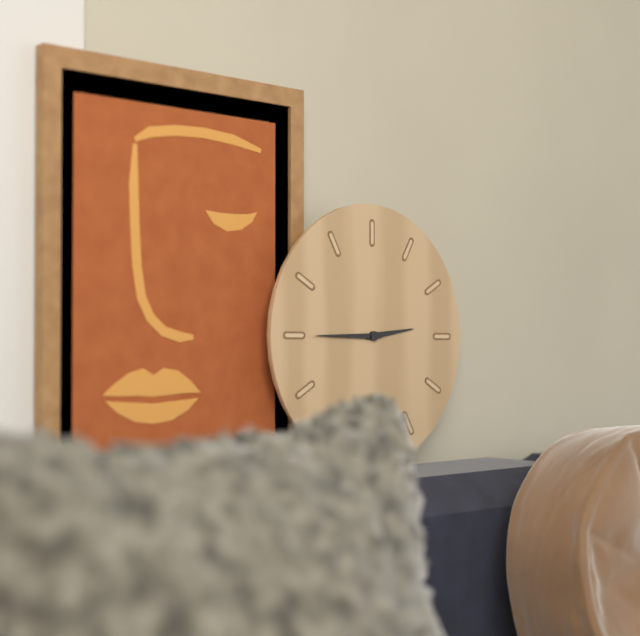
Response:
{"hour": 2, "minute": 45}
